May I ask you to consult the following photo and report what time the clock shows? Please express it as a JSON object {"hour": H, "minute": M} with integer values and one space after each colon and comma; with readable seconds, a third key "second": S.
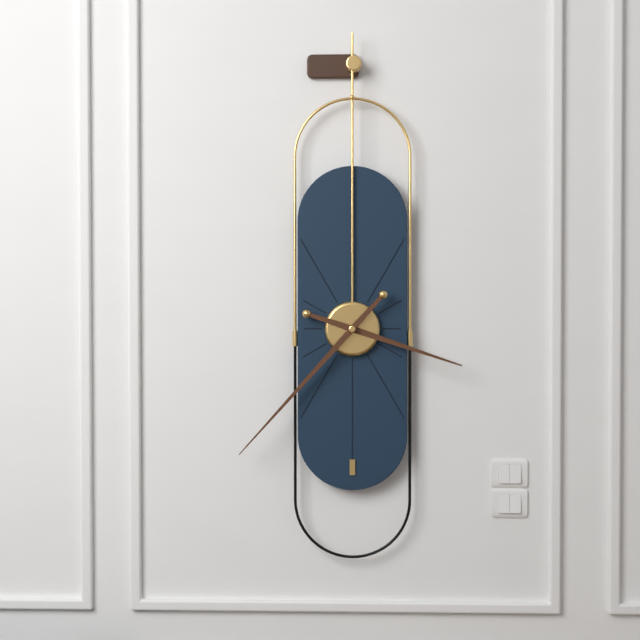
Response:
{"hour": 3, "minute": 37}
